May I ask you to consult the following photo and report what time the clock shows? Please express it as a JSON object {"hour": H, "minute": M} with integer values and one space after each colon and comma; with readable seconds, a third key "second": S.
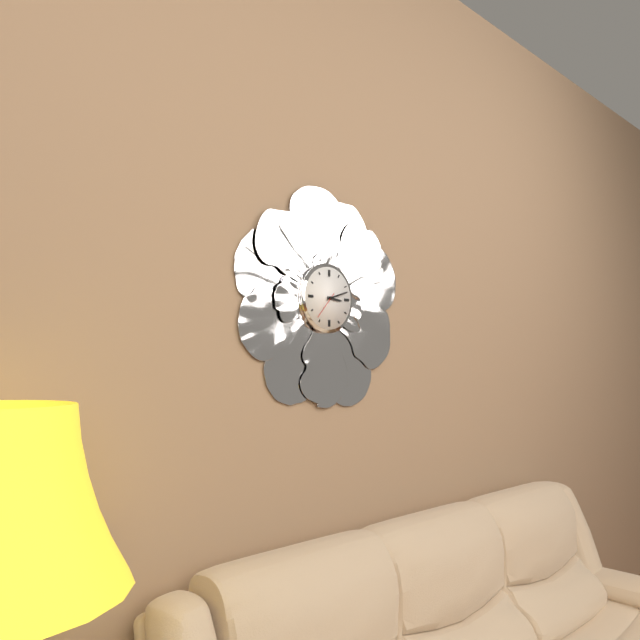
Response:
{"hour": 3, "minute": 12}
